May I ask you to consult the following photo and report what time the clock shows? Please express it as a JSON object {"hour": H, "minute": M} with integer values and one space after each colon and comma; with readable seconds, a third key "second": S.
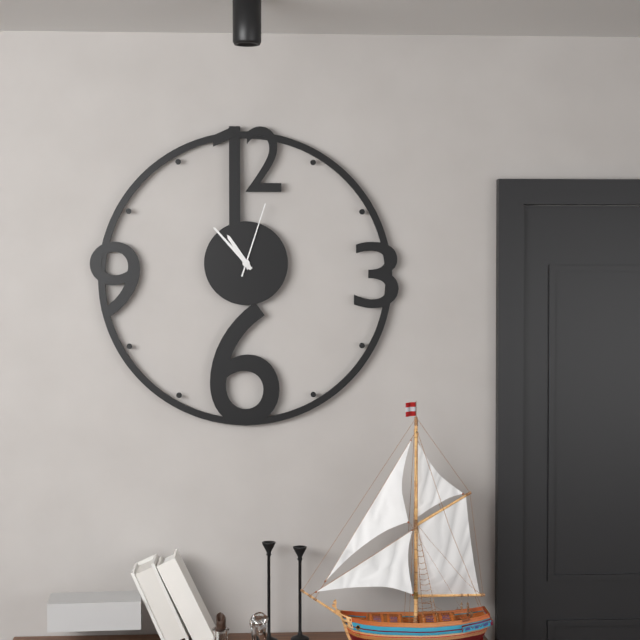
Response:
{"hour": 10, "minute": 53, "second": 3}
